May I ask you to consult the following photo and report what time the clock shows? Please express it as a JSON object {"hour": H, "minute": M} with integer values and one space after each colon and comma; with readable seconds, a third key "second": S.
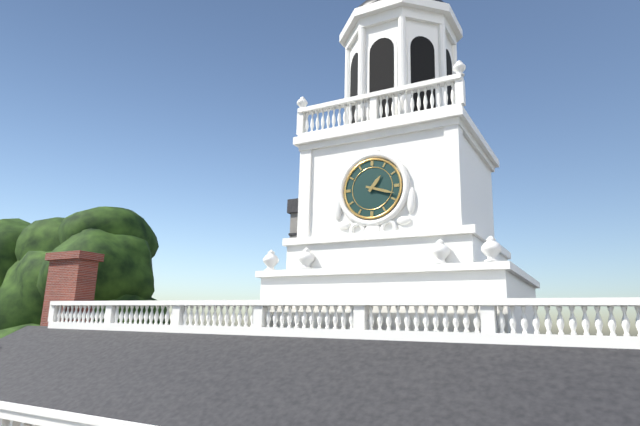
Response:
{"hour": 1, "minute": 18}
